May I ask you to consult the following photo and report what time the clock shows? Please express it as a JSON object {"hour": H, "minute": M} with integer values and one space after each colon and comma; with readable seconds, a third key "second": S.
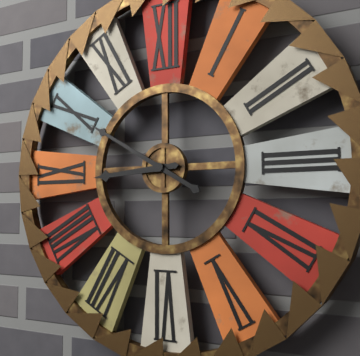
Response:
{"hour": 8, "minute": 50}
